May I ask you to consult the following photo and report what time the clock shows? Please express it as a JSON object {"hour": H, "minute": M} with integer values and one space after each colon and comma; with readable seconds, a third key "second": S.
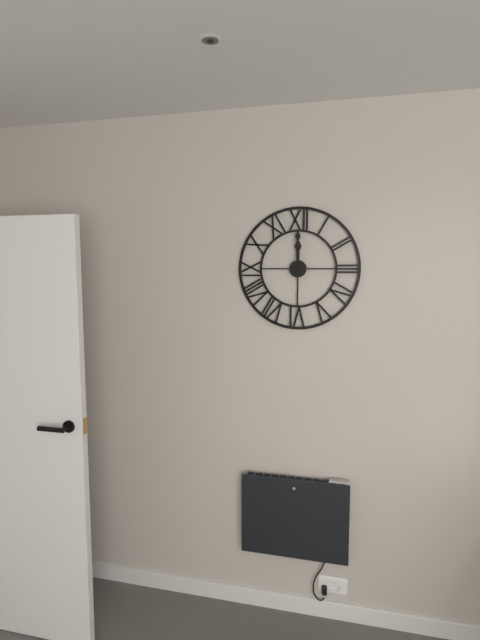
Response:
{"hour": 12, "minute": 0}
